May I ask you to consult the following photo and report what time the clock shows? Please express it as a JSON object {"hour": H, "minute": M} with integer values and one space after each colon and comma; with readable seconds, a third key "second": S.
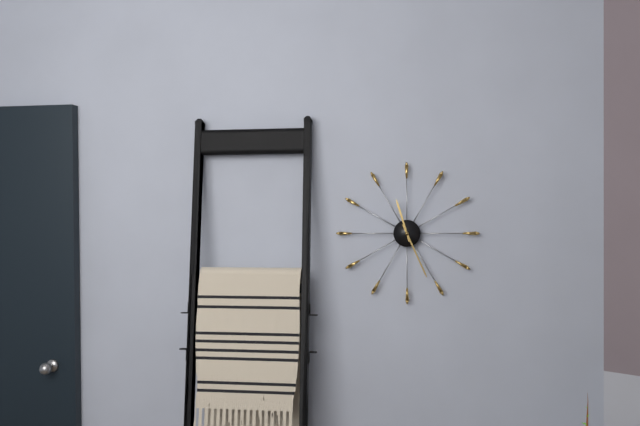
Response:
{"hour": 11, "minute": 26}
